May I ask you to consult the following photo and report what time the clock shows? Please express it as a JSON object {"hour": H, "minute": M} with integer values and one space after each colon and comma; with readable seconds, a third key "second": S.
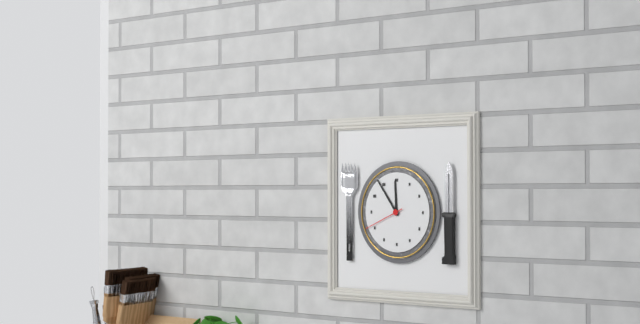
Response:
{"hour": 11, "minute": 54}
